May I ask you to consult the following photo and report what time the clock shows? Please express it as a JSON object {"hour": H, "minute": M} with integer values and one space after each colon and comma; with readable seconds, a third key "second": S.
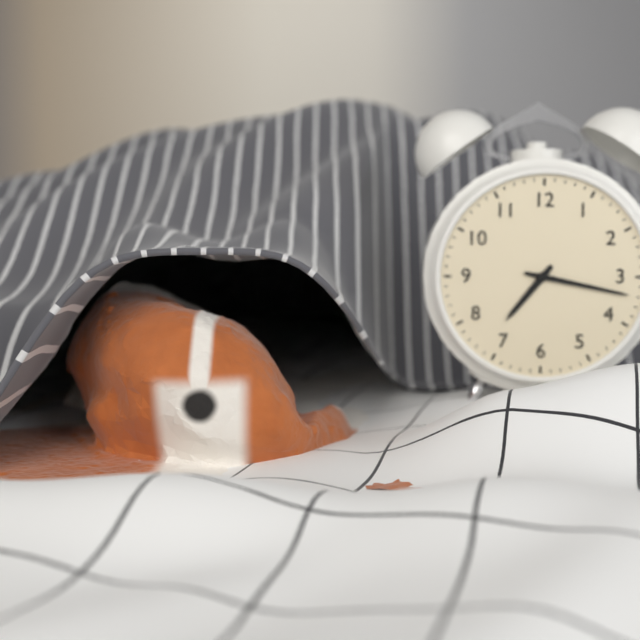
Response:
{"hour": 7, "minute": 17}
